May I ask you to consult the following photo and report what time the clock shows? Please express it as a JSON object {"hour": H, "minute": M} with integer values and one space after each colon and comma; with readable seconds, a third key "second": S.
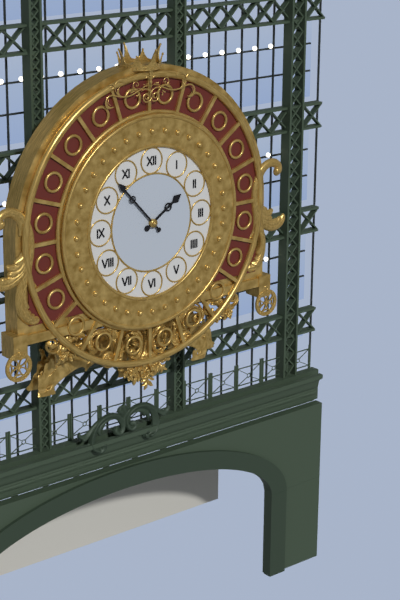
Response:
{"hour": 1, "minute": 53}
